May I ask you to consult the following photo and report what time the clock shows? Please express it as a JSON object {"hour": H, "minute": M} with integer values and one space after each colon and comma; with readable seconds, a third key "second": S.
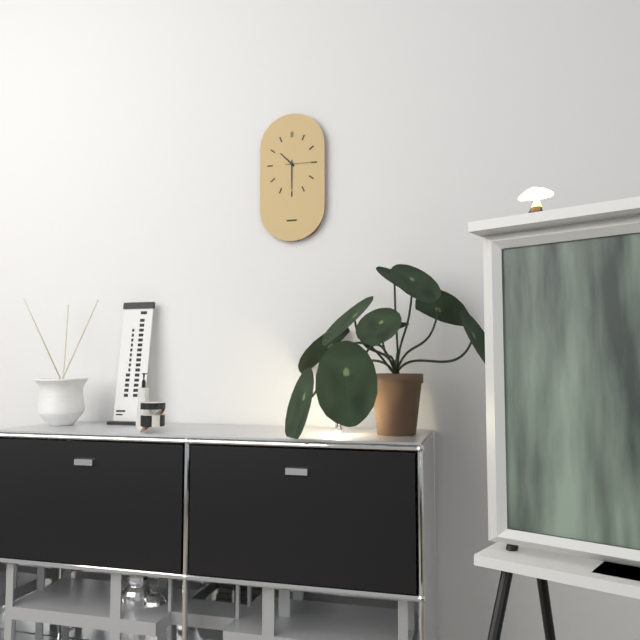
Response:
{"hour": 10, "minute": 30}
